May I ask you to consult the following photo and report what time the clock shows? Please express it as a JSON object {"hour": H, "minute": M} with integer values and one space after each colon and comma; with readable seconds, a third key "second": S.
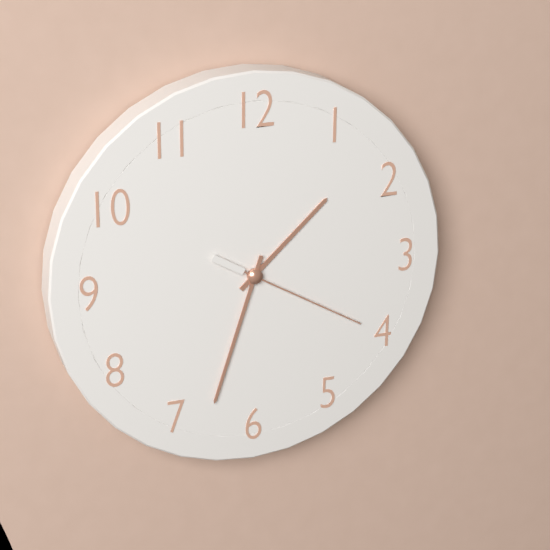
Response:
{"hour": 1, "minute": 33, "second": 20}
